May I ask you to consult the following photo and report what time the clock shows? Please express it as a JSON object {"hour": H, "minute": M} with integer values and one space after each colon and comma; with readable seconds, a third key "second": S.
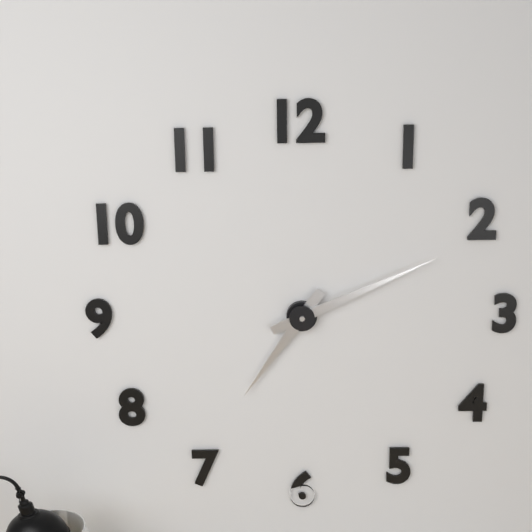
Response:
{"hour": 7, "minute": 11}
